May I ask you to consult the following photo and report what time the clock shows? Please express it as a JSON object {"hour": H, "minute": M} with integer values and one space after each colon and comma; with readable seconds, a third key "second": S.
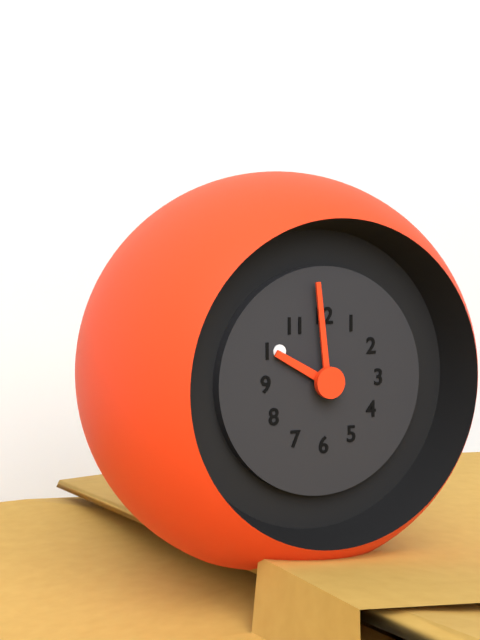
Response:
{"hour": 9, "minute": 59}
